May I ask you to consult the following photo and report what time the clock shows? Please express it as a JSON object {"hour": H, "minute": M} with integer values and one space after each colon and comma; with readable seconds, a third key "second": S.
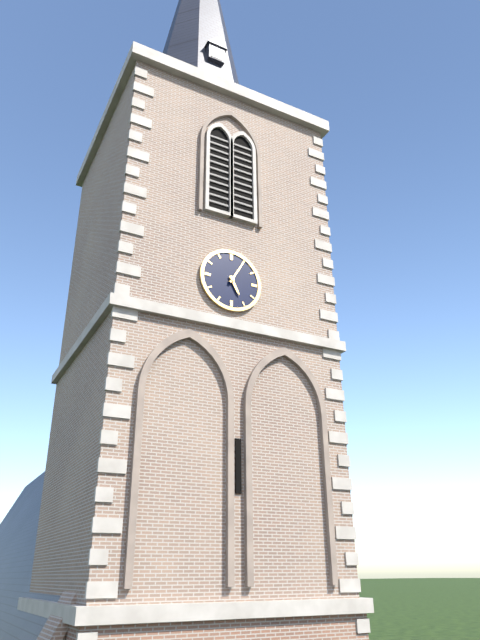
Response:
{"hour": 5, "minute": 5}
